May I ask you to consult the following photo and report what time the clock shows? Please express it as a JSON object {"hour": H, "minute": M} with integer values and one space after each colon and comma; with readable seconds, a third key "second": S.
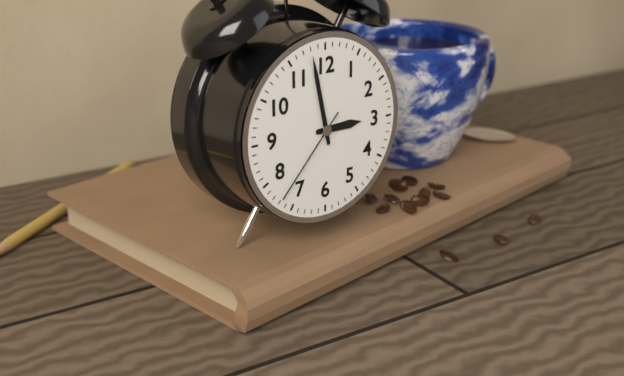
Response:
{"hour": 2, "minute": 58, "second": 37}
